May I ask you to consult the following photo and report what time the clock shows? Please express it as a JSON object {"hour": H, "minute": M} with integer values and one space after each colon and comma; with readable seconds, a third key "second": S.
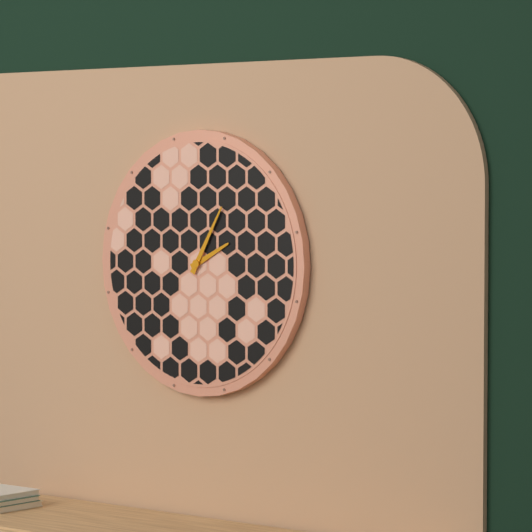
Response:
{"hour": 2, "minute": 5}
